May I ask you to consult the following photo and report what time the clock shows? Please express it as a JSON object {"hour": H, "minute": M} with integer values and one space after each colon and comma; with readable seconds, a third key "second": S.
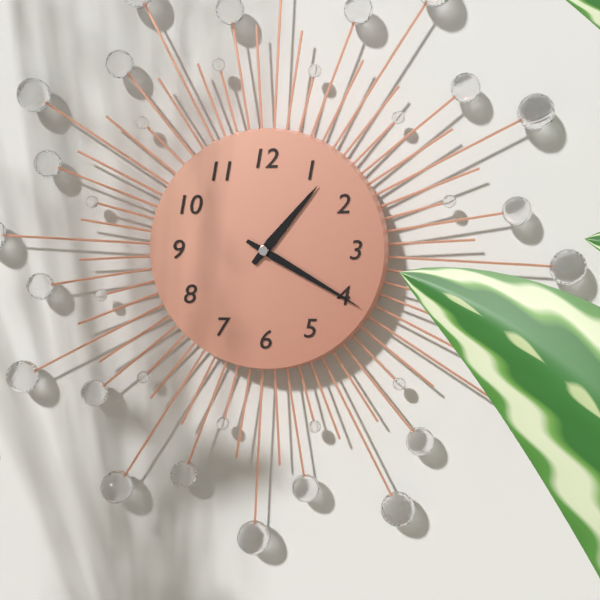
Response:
{"hour": 1, "minute": 20}
